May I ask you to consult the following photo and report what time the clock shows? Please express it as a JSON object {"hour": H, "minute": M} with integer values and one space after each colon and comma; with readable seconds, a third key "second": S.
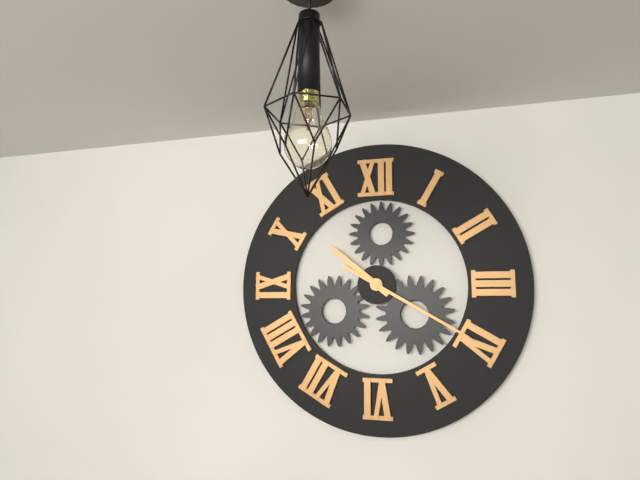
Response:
{"hour": 10, "minute": 20}
